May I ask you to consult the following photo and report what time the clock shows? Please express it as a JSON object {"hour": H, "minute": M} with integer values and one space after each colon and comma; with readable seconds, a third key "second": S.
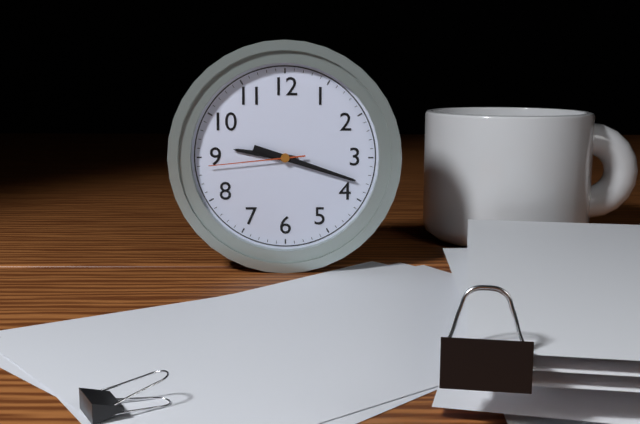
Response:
{"hour": 9, "minute": 18, "second": 44}
